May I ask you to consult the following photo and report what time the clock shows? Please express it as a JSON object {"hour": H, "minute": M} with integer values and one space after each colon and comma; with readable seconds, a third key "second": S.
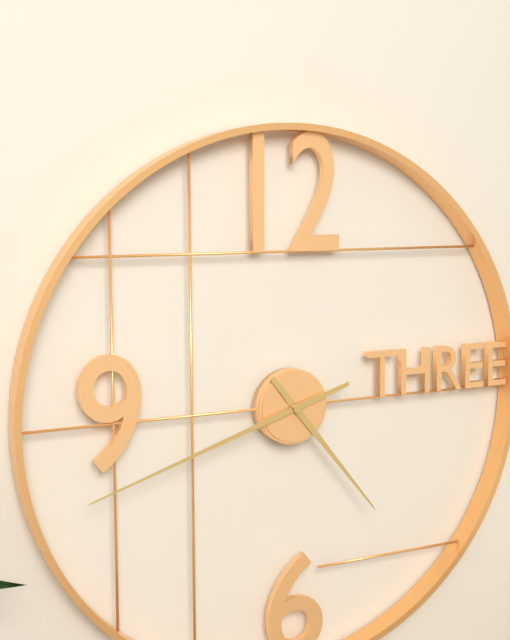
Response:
{"hour": 4, "minute": 42}
